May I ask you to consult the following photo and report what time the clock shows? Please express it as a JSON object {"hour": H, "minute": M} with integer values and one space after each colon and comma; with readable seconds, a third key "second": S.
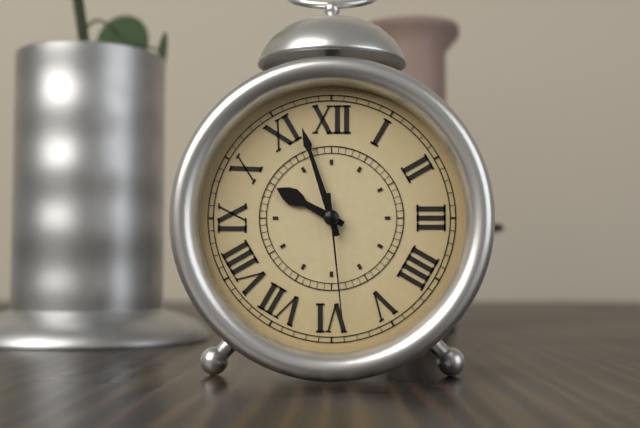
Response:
{"hour": 9, "minute": 57, "second": 29}
